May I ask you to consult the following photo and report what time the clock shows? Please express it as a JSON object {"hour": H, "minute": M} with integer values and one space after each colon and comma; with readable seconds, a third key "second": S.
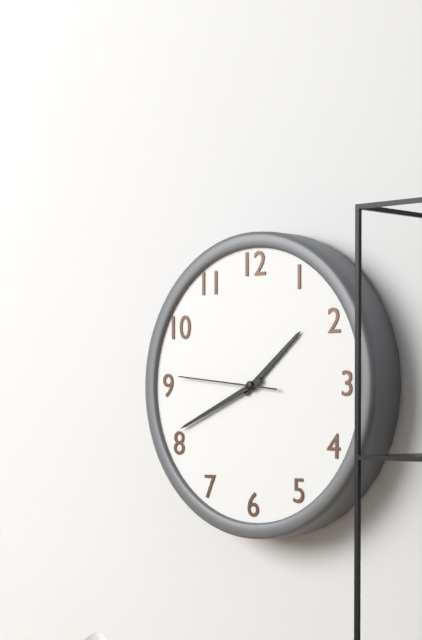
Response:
{"hour": 1, "minute": 41, "second": 46}
